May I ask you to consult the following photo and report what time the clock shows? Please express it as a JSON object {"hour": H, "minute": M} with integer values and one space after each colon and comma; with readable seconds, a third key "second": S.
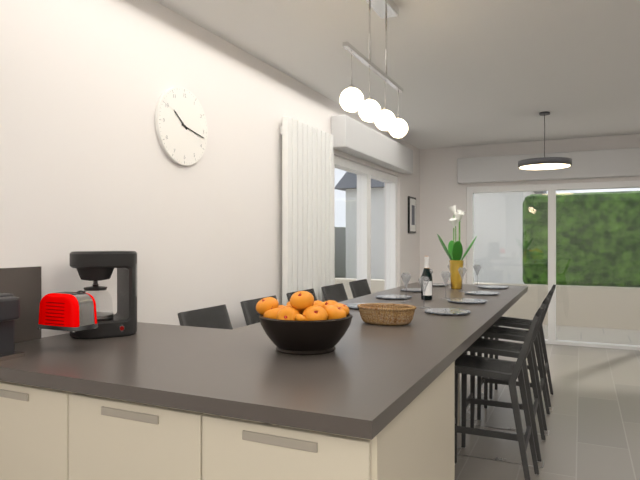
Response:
{"hour": 10, "minute": 17}
